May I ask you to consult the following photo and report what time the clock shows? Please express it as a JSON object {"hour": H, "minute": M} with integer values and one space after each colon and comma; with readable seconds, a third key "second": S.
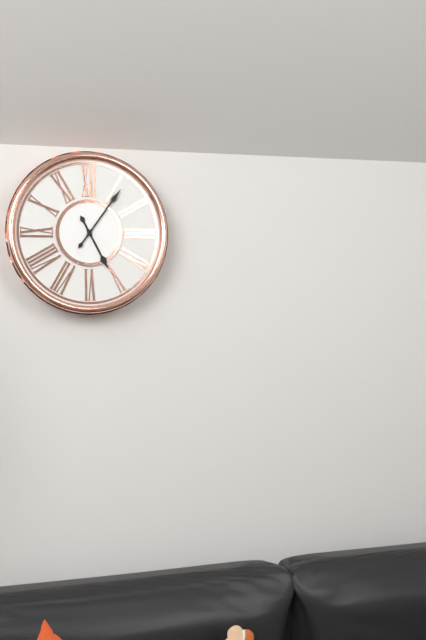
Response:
{"hour": 5, "minute": 6}
